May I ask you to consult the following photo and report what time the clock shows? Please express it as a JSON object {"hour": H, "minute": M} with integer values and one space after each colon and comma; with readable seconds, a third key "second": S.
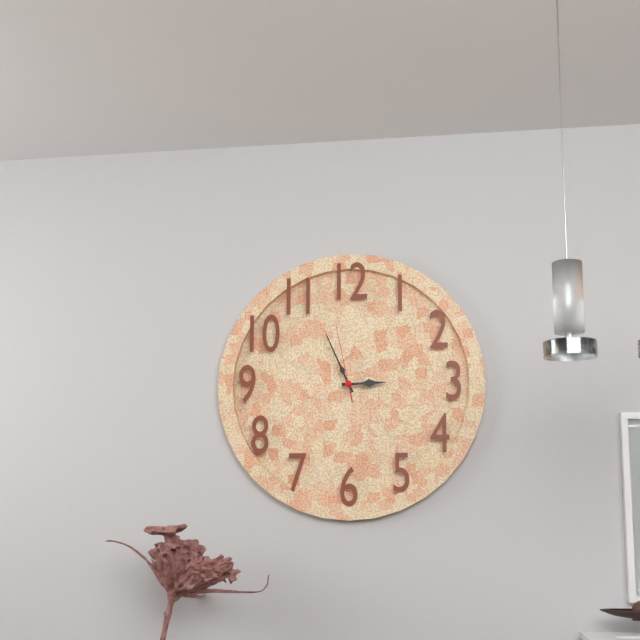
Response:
{"hour": 2, "minute": 56, "second": 58}
